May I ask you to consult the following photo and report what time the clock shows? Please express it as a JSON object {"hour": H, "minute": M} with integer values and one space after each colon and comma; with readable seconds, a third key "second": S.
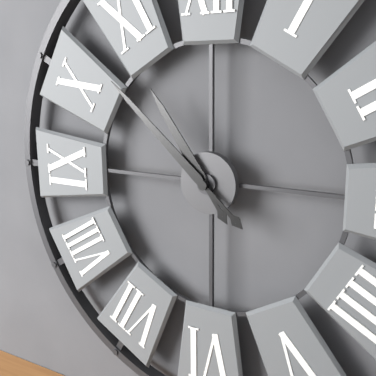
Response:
{"hour": 10, "minute": 52}
